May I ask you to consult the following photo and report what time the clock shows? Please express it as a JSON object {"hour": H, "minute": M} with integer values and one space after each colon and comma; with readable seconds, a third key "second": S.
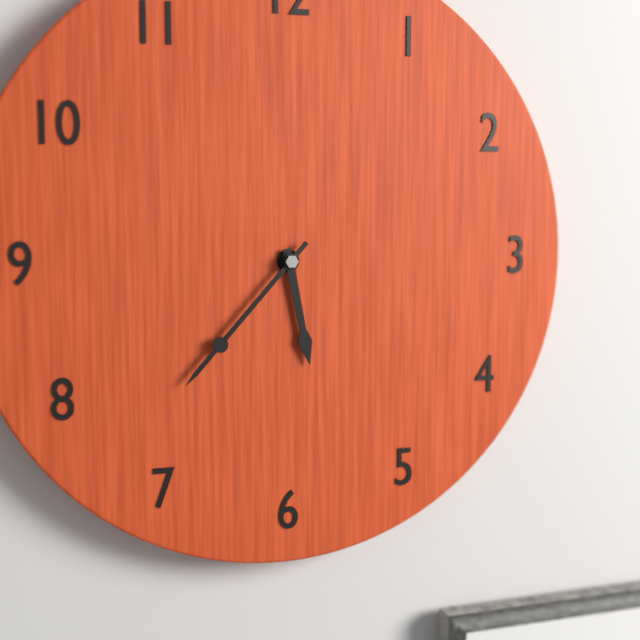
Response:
{"hour": 5, "minute": 37}
